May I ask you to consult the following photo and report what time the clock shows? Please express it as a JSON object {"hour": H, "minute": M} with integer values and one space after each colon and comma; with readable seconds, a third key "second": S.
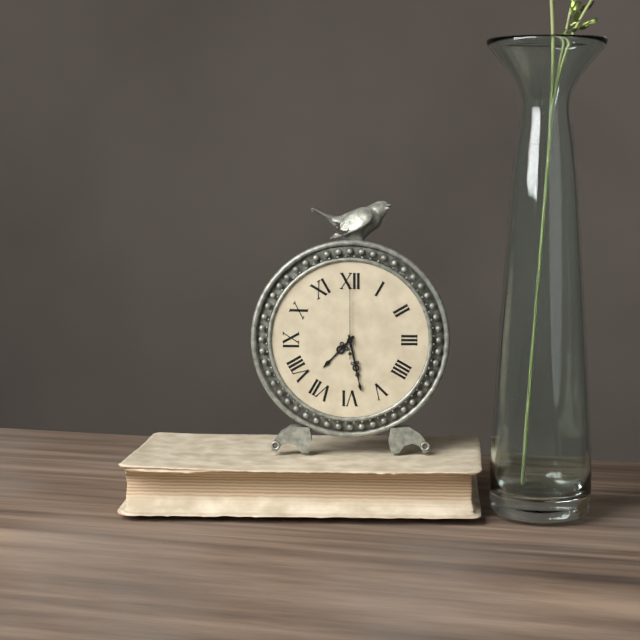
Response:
{"hour": 7, "minute": 28, "second": 0}
